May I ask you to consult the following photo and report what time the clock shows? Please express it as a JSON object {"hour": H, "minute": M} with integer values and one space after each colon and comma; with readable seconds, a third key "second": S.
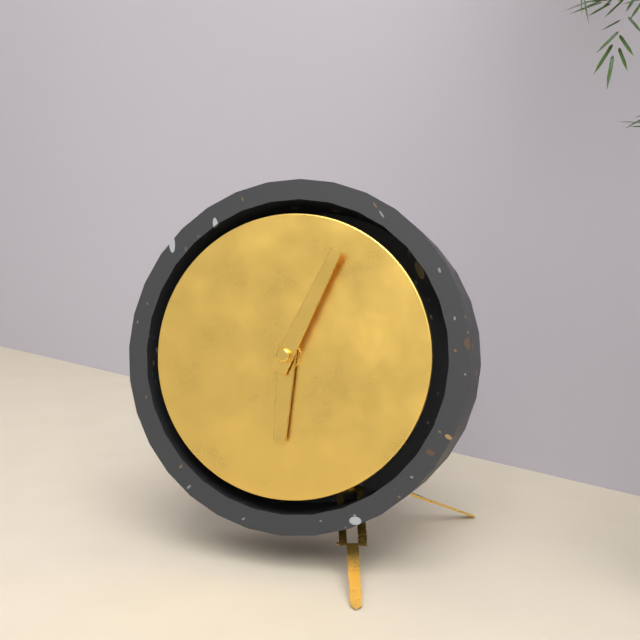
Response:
{"hour": 6, "minute": 4}
